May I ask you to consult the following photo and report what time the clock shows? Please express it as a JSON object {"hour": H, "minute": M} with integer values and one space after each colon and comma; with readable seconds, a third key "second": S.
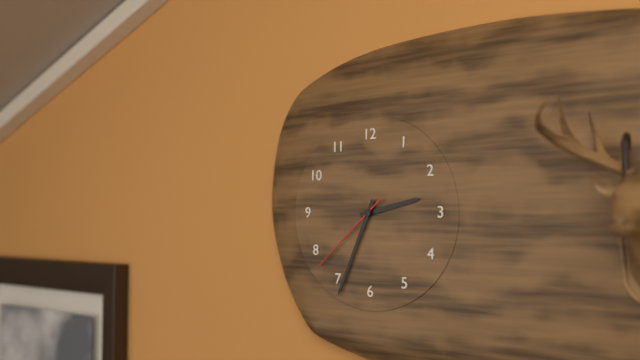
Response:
{"hour": 2, "minute": 34, "second": 38}
